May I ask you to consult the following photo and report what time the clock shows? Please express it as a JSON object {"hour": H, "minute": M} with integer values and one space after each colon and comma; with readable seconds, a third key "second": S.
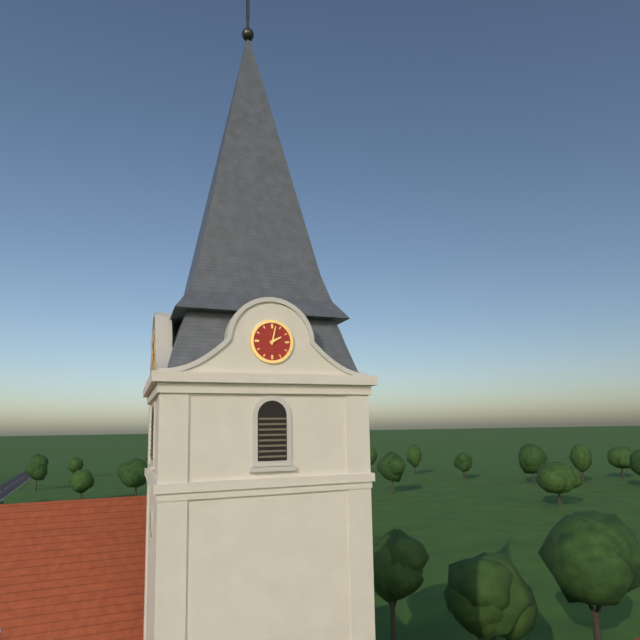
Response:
{"hour": 2, "minute": 2}
